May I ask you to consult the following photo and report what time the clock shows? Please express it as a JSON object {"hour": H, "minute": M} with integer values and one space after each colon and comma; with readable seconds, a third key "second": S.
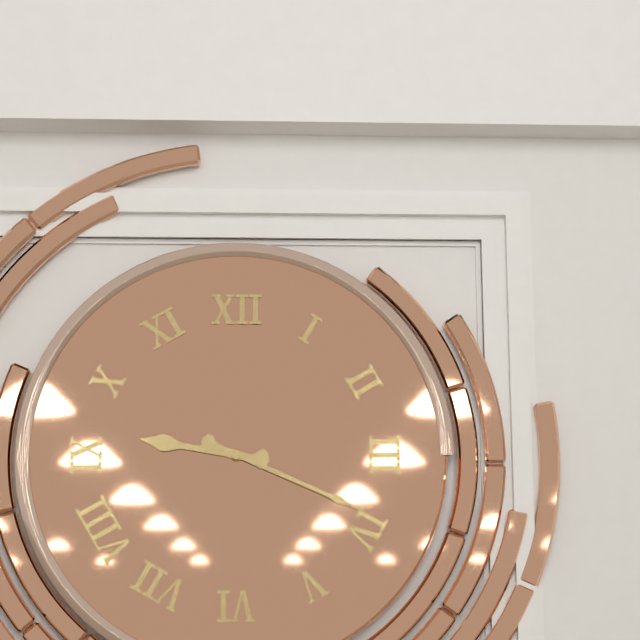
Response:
{"hour": 9, "minute": 19}
